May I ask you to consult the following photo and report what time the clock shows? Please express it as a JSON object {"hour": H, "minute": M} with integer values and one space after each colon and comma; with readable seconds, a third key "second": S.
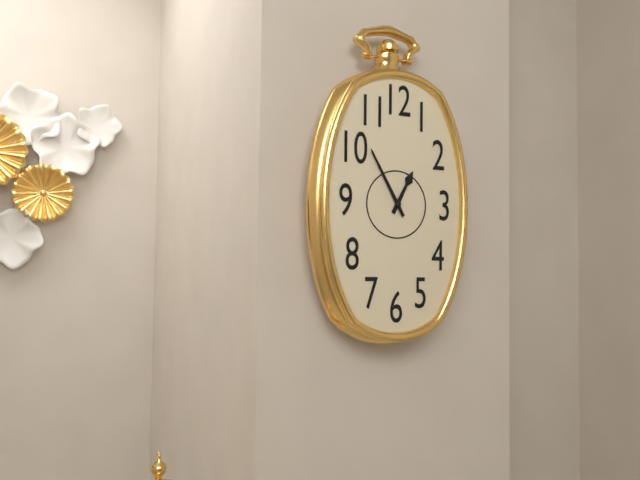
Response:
{"hour": 12, "minute": 55}
